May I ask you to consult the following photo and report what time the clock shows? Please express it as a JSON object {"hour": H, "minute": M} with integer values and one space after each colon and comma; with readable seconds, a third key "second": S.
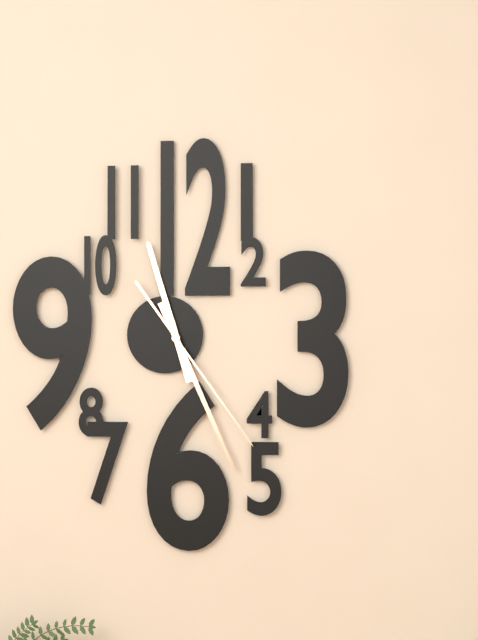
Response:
{"hour": 11, "minute": 26, "second": 24}
